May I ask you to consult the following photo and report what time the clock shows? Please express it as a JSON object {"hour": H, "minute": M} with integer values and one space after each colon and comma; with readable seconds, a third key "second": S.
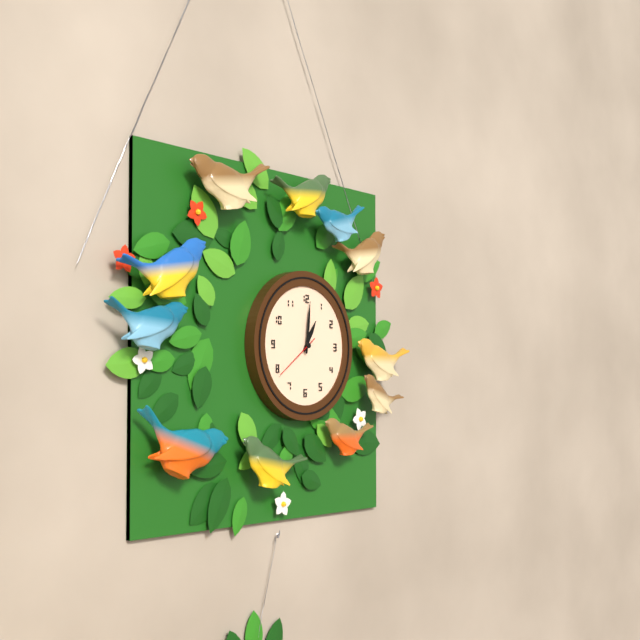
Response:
{"hour": 1, "minute": 1, "second": 39}
